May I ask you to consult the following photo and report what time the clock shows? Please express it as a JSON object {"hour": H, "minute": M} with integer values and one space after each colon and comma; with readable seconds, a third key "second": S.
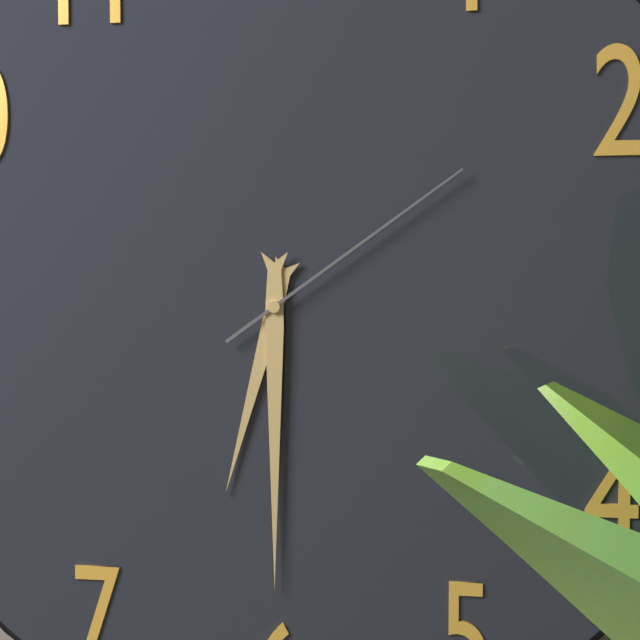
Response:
{"hour": 6, "minute": 30, "second": 9}
